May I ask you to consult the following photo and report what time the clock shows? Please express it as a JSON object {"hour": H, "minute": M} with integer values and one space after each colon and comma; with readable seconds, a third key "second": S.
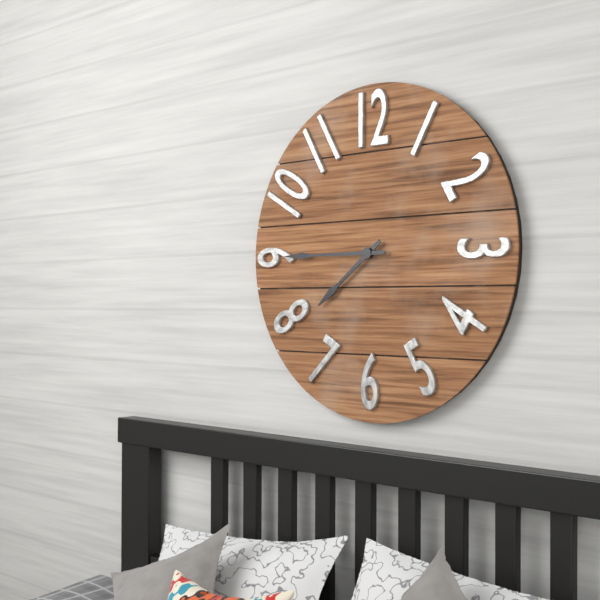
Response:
{"hour": 7, "minute": 45}
